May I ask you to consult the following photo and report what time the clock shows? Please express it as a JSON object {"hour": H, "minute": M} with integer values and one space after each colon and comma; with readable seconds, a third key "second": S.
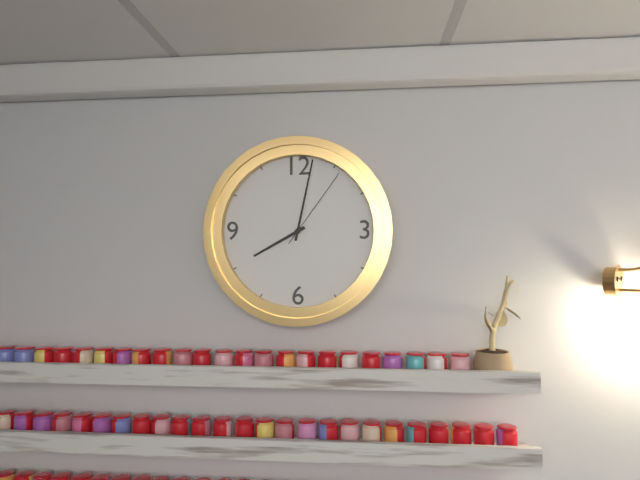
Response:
{"hour": 8, "minute": 2, "second": 6}
